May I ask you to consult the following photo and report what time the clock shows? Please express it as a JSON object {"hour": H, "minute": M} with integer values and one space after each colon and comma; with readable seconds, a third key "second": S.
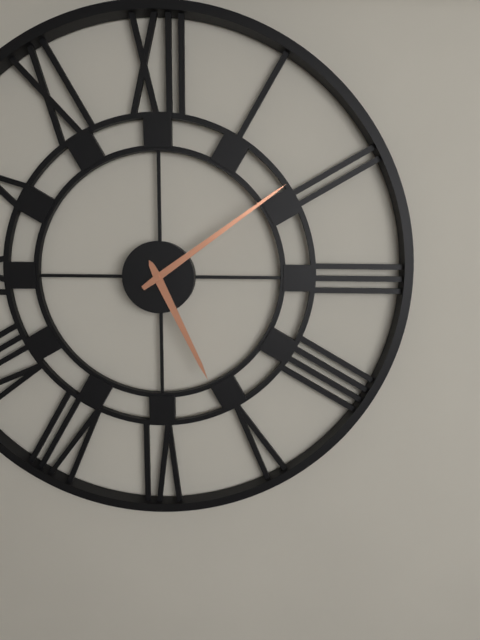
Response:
{"hour": 5, "minute": 9}
